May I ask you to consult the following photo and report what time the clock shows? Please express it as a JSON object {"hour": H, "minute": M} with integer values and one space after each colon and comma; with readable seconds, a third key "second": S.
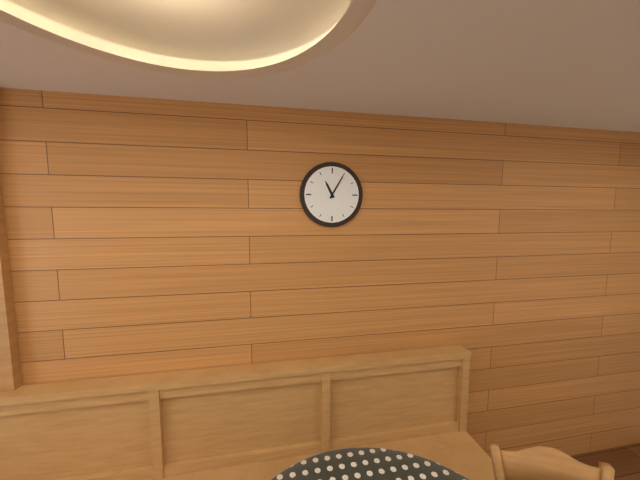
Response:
{"hour": 11, "minute": 5}
